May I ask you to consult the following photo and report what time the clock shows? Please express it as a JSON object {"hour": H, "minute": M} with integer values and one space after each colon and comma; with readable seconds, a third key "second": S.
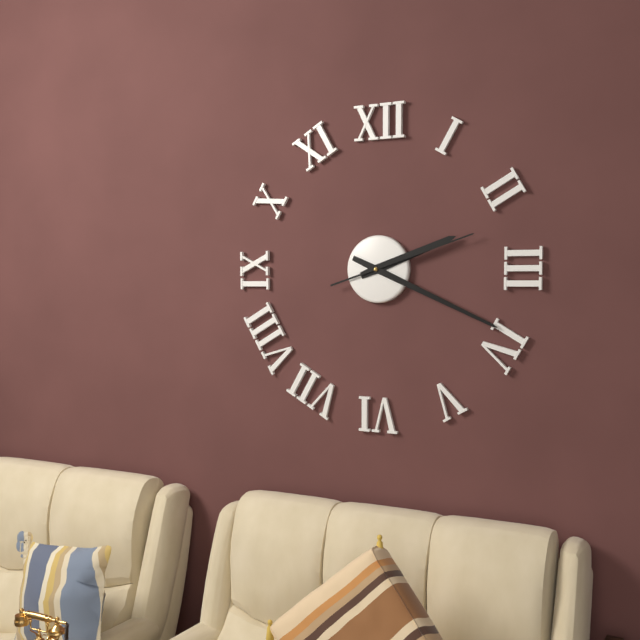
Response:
{"hour": 2, "minute": 19, "second": 12}
